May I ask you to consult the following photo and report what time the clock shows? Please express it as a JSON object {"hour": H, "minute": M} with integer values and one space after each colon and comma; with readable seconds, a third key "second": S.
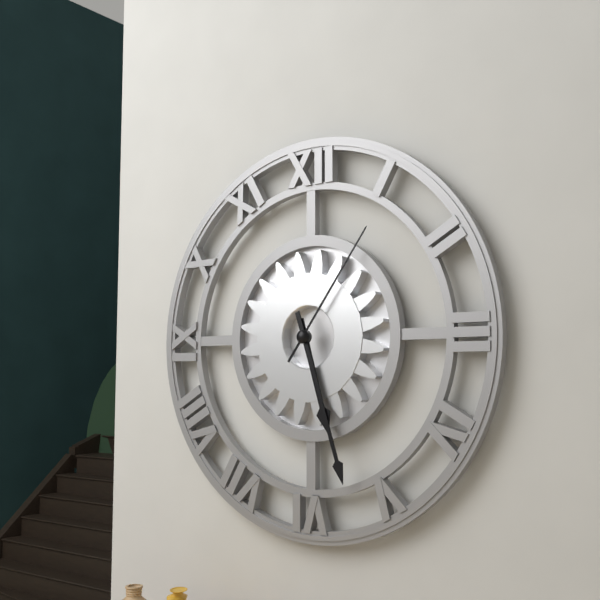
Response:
{"hour": 5, "minute": 27, "second": 6}
